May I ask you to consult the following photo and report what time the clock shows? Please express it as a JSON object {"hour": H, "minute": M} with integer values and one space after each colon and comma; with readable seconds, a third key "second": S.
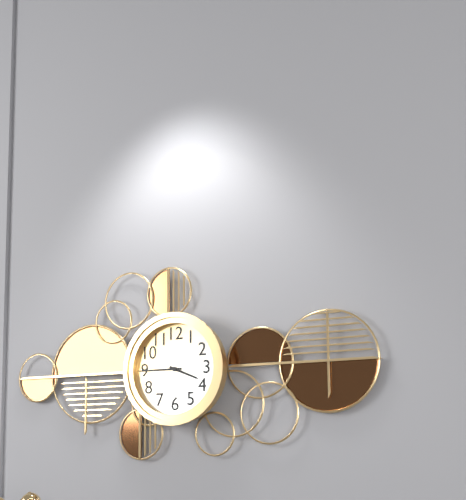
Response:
{"hour": 3, "minute": 45}
